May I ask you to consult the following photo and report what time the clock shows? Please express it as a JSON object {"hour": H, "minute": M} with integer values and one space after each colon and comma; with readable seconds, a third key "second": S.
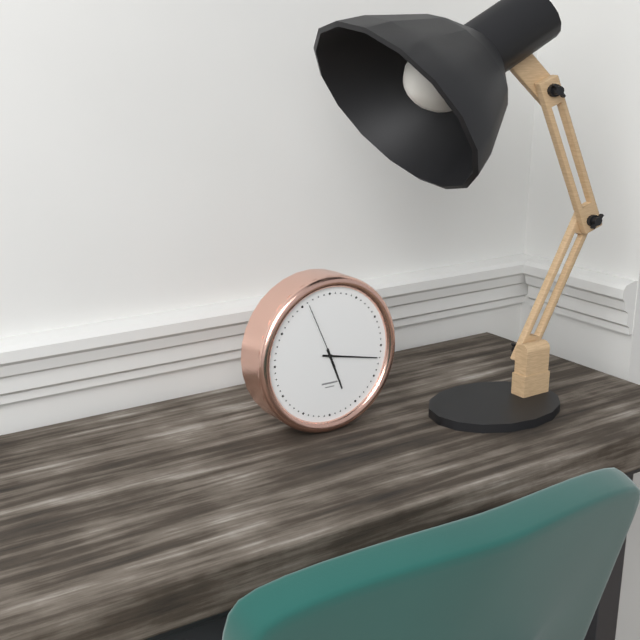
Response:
{"hour": 5, "minute": 17, "second": 56}
